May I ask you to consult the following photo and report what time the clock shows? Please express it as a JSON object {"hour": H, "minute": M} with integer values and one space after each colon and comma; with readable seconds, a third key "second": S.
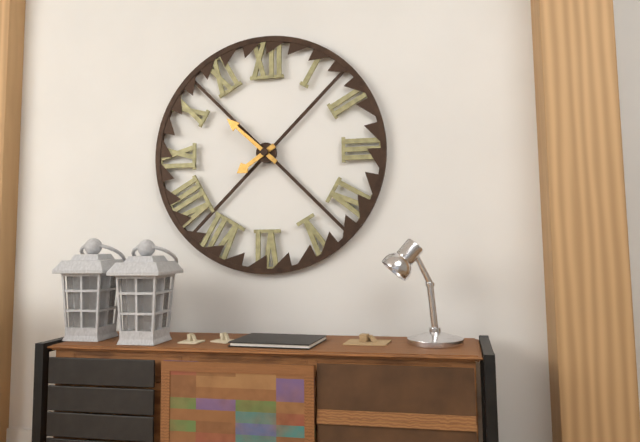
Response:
{"hour": 7, "minute": 52}
